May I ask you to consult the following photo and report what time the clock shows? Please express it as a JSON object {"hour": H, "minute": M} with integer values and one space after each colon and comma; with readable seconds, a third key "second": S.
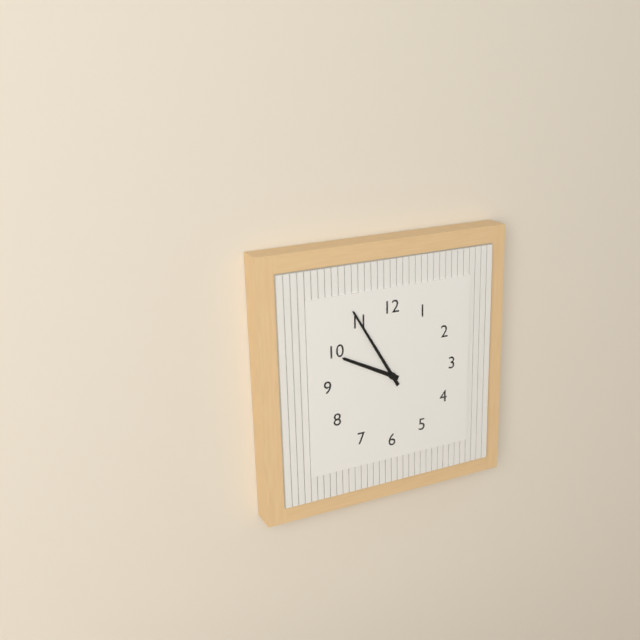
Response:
{"hour": 9, "minute": 55}
